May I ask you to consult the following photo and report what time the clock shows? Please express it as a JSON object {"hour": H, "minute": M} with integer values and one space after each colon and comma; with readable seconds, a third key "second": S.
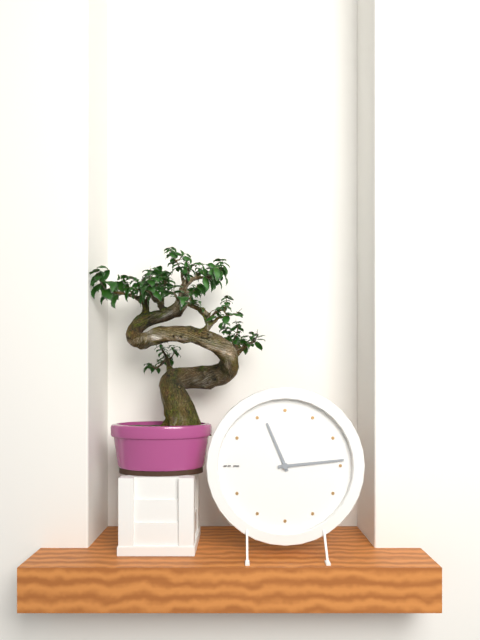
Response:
{"hour": 11, "minute": 14}
